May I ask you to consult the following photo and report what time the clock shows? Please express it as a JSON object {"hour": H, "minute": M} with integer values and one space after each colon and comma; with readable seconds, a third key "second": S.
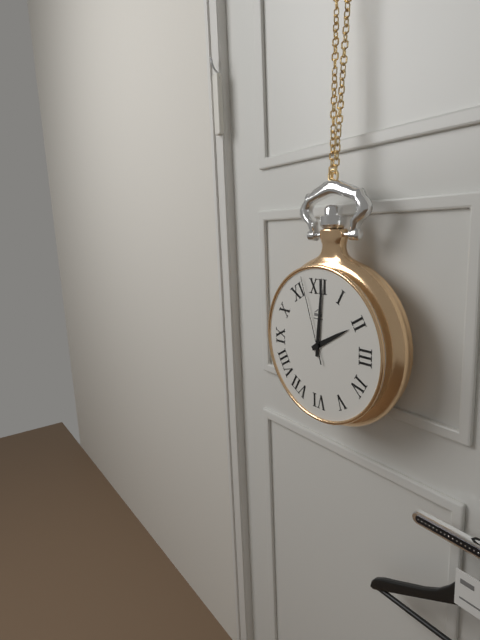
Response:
{"hour": 2, "minute": 1, "second": 57}
